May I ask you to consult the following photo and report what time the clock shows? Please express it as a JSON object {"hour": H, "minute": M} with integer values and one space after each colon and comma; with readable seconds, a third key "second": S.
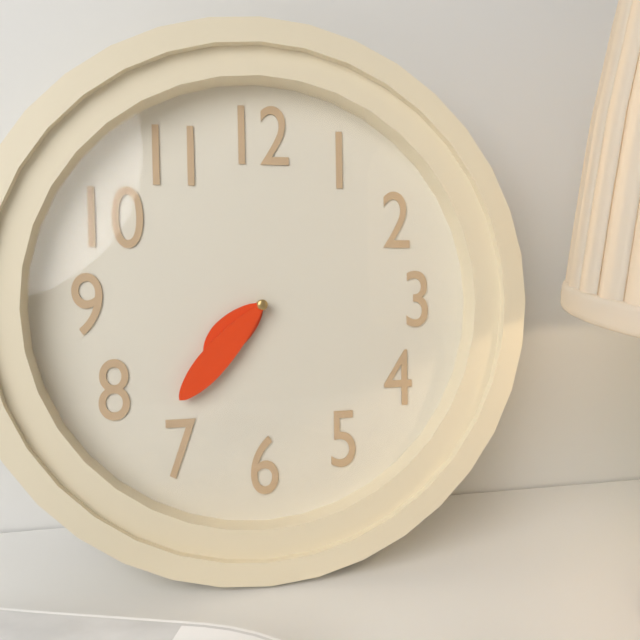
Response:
{"hour": 7, "minute": 37}
